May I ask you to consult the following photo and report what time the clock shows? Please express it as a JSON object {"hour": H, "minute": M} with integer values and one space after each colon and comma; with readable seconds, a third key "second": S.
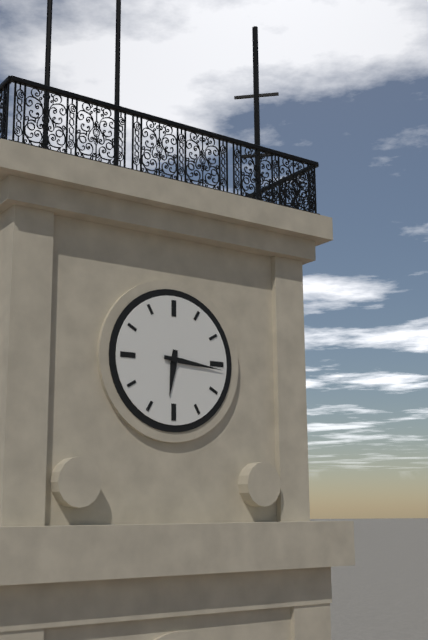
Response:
{"hour": 6, "minute": 16}
